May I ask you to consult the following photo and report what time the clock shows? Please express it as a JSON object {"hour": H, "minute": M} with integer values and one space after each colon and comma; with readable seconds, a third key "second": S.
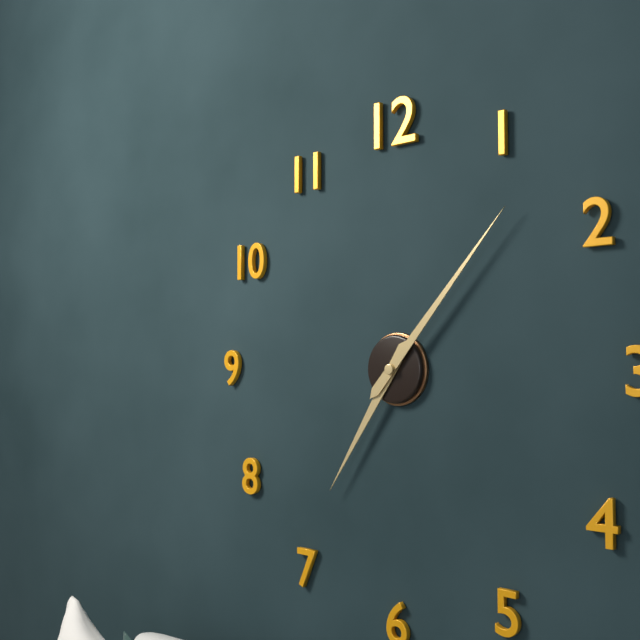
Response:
{"hour": 7, "minute": 7}
